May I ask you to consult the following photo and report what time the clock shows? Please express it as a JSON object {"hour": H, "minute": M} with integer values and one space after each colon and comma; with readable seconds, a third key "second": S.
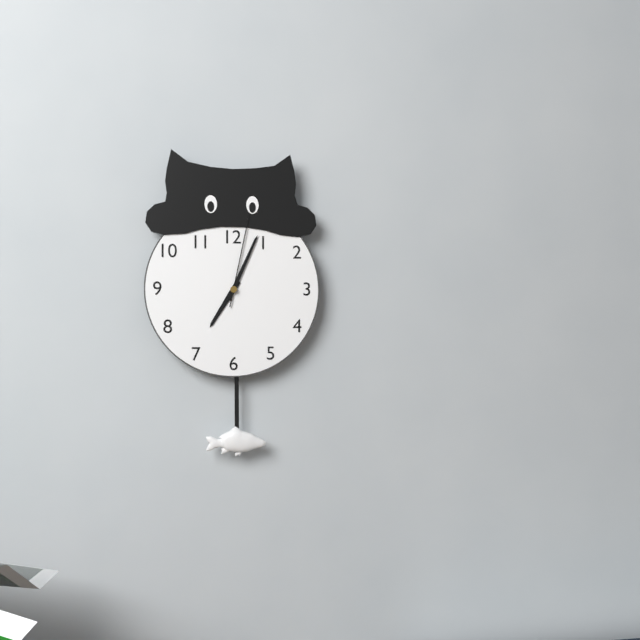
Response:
{"hour": 7, "minute": 4, "second": 2}
